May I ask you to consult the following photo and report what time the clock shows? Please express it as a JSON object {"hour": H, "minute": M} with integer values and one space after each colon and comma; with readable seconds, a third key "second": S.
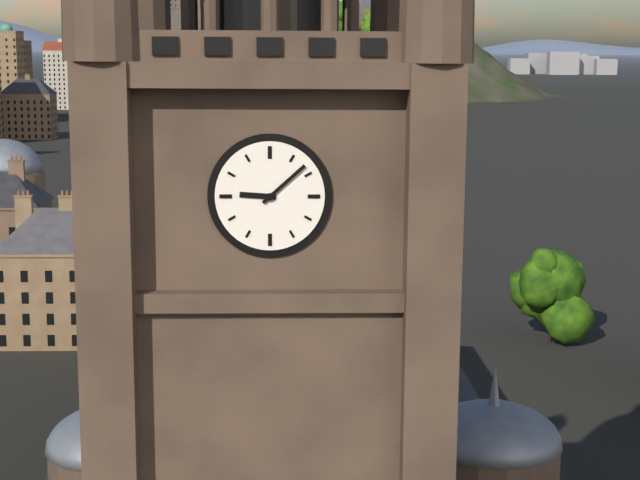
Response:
{"hour": 9, "minute": 8}
